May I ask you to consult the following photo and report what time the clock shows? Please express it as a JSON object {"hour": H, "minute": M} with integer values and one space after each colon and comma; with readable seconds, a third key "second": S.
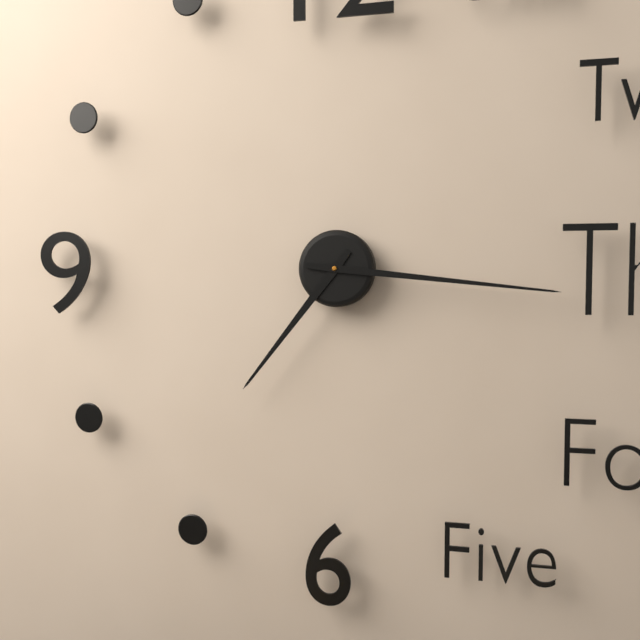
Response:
{"hour": 7, "minute": 16}
